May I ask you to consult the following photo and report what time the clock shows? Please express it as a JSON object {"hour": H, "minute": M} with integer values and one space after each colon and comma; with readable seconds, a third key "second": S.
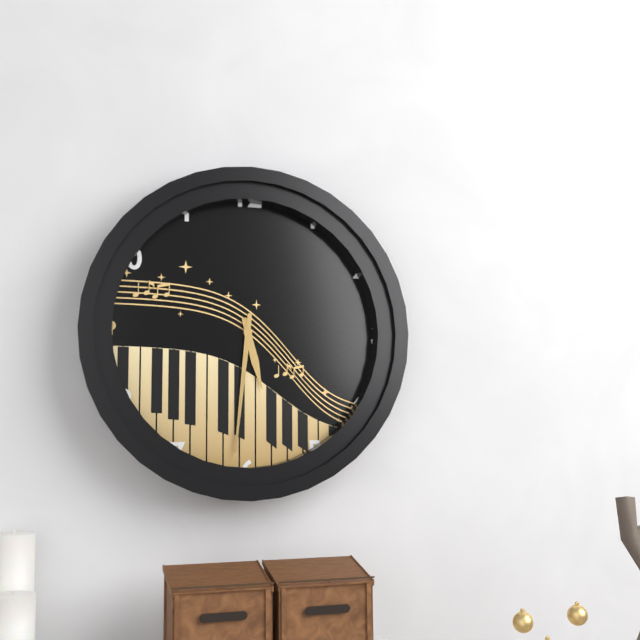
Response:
{"hour": 5, "minute": 31}
